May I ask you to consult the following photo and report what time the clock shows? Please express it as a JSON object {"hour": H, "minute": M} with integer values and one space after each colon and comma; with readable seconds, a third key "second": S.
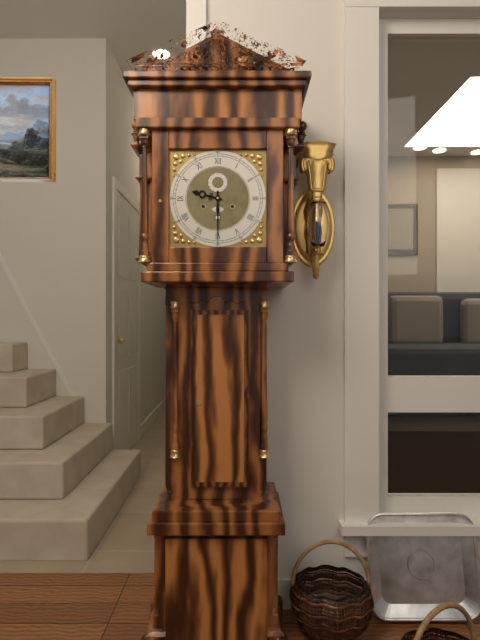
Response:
{"hour": 9, "minute": 30}
